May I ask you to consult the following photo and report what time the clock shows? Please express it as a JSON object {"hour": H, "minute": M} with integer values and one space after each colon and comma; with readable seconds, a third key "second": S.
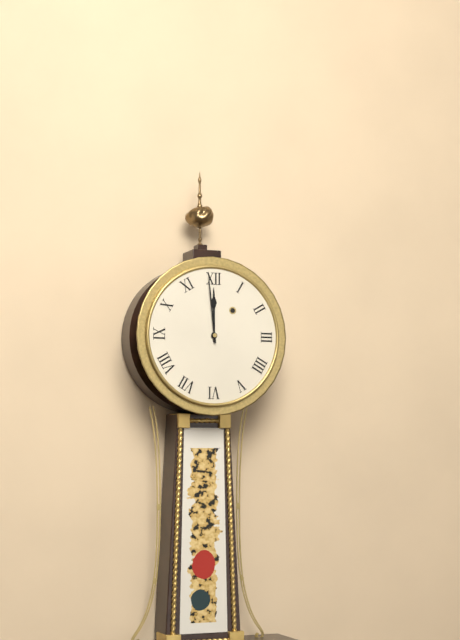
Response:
{"hour": 11, "minute": 59}
